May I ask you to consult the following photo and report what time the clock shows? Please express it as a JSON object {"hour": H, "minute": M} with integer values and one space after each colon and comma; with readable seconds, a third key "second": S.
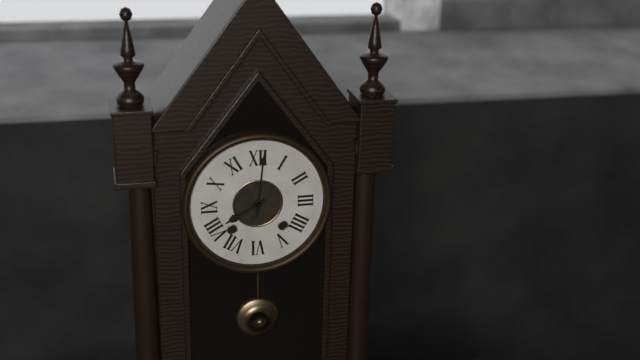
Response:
{"hour": 8, "minute": 1}
